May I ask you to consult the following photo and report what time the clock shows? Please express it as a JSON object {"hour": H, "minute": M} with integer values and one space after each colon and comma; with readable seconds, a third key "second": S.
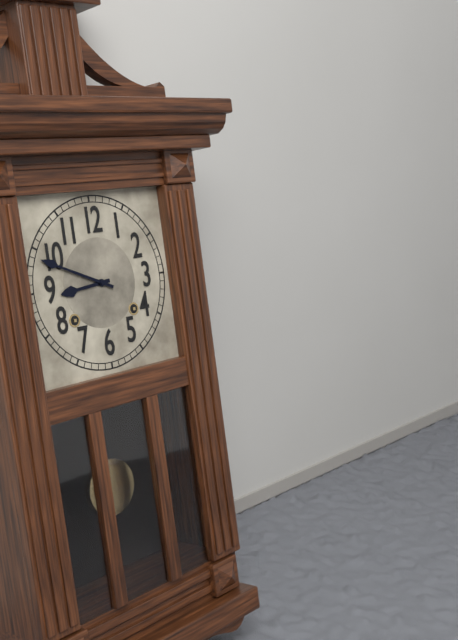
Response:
{"hour": 8, "minute": 49}
